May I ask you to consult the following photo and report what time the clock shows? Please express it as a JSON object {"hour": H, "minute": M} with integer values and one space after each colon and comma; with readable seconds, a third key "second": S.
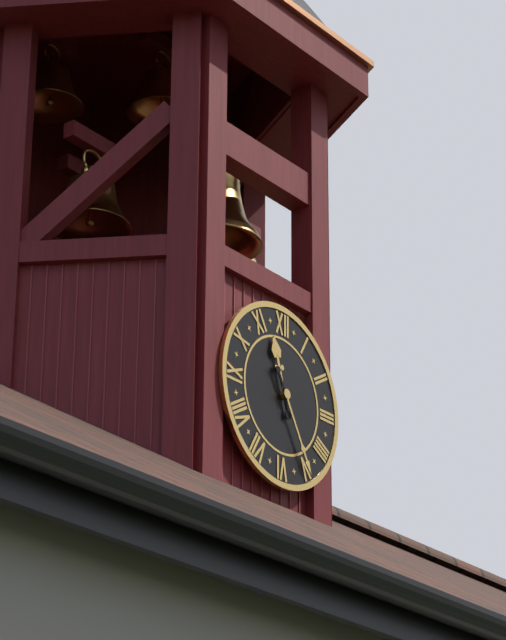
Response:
{"hour": 11, "minute": 25}
